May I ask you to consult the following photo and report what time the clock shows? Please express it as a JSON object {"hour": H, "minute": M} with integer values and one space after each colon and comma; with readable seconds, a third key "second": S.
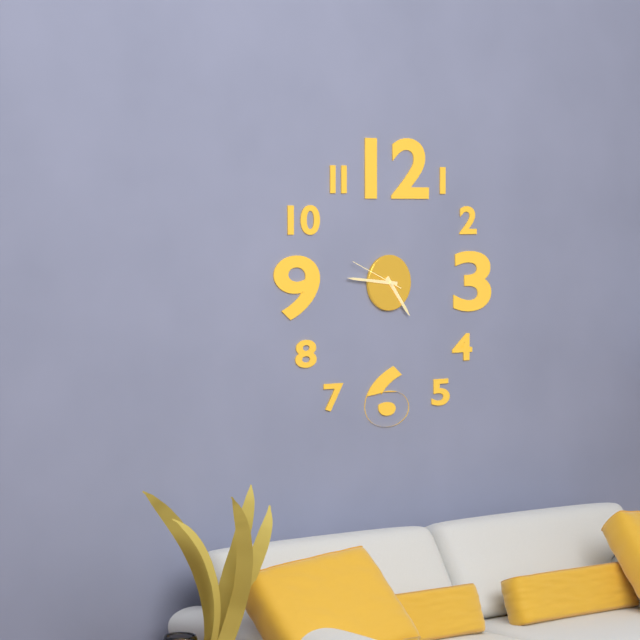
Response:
{"hour": 4, "minute": 46, "second": 49}
